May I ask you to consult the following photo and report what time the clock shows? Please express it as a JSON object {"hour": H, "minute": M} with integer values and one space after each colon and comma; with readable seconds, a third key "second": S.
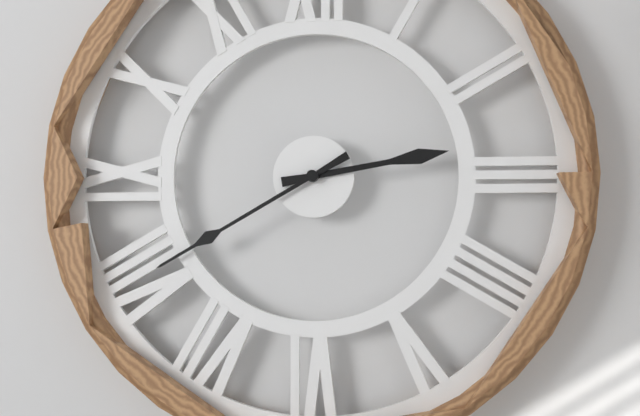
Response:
{"hour": 2, "minute": 40}
